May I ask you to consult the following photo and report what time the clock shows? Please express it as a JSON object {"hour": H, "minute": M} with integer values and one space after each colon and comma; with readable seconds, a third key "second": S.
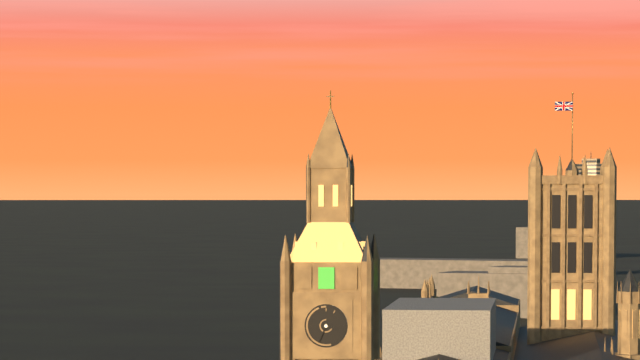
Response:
{"hour": 3, "minute": 34}
